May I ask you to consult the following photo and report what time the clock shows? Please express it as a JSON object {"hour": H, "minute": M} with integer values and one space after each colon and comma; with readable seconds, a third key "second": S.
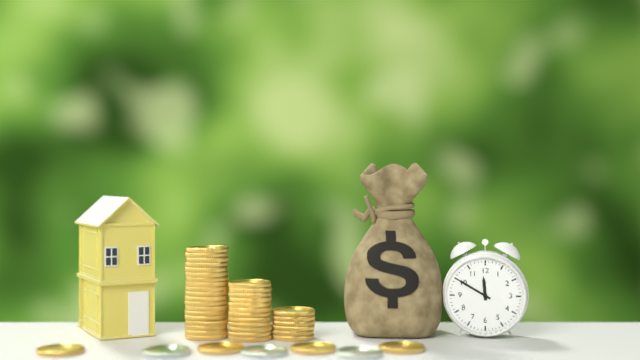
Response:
{"hour": 11, "minute": 50}
